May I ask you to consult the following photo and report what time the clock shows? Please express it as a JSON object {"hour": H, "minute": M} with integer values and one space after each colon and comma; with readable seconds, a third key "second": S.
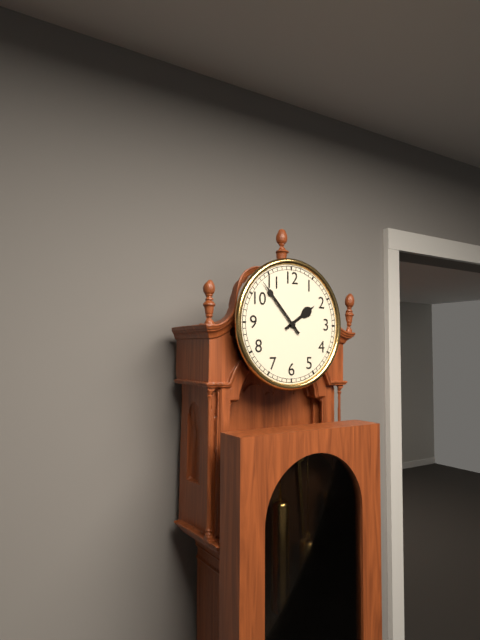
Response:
{"hour": 1, "minute": 53}
